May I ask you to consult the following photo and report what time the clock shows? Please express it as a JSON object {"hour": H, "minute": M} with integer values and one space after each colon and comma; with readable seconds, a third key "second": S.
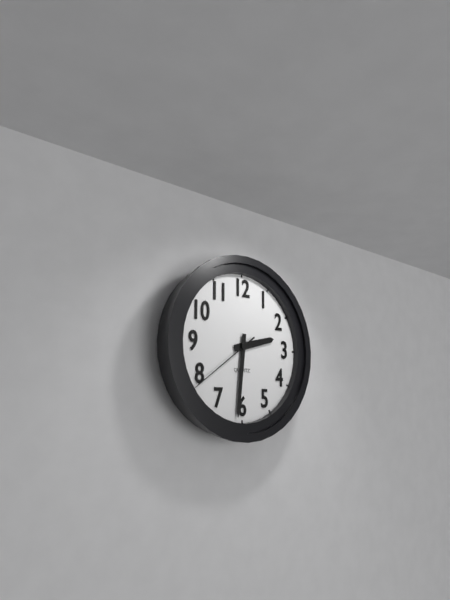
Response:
{"hour": 2, "minute": 31, "second": 39}
